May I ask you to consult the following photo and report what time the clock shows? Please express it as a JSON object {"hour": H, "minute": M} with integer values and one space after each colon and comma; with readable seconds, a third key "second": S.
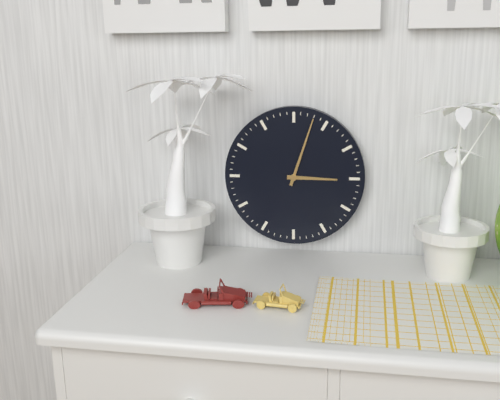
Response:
{"hour": 3, "minute": 3}
